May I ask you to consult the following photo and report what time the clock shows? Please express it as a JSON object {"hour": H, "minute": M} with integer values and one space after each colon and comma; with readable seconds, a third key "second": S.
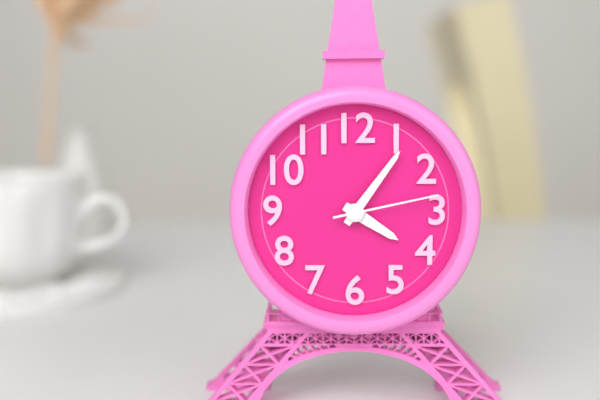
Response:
{"hour": 4, "minute": 6, "second": 13}
